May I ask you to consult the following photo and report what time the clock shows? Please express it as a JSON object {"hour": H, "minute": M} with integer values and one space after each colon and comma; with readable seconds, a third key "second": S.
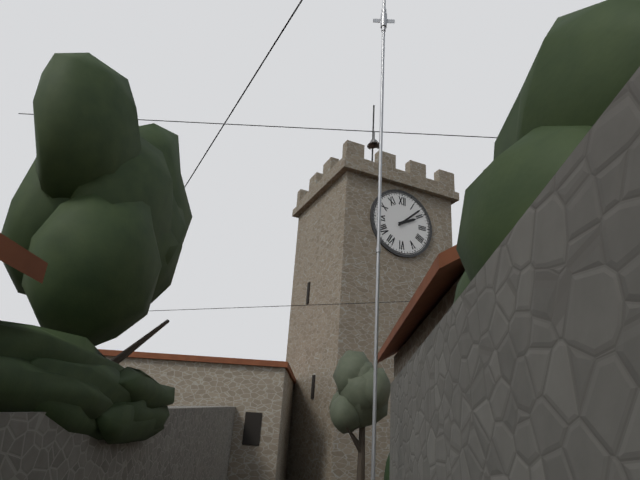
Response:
{"hour": 2, "minute": 8}
